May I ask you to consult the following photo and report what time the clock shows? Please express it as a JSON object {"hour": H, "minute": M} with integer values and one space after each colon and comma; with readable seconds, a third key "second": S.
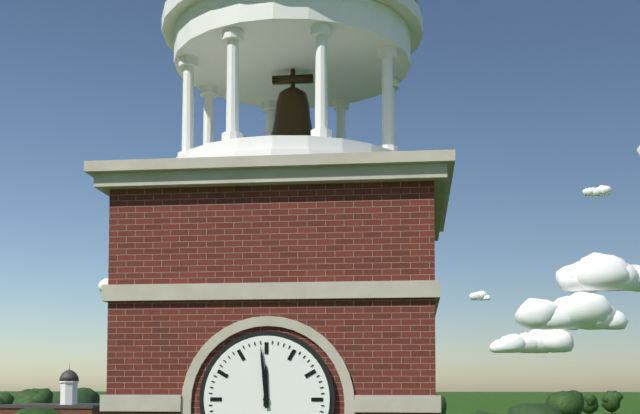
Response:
{"hour": 11, "minute": 59}
